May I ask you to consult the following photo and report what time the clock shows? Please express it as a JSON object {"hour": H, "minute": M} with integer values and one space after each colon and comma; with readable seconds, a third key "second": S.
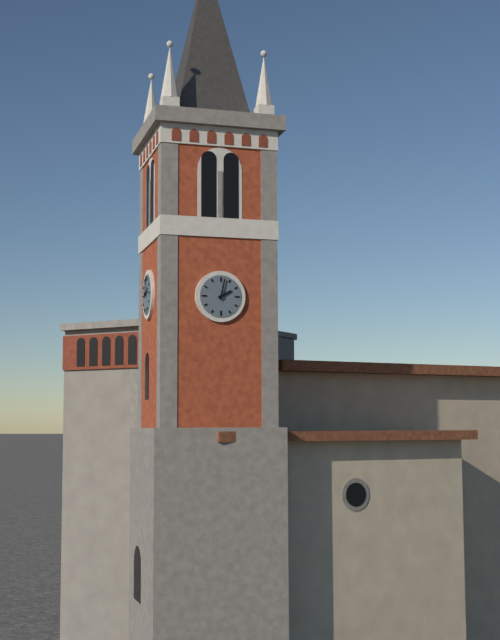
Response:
{"hour": 2, "minute": 2}
